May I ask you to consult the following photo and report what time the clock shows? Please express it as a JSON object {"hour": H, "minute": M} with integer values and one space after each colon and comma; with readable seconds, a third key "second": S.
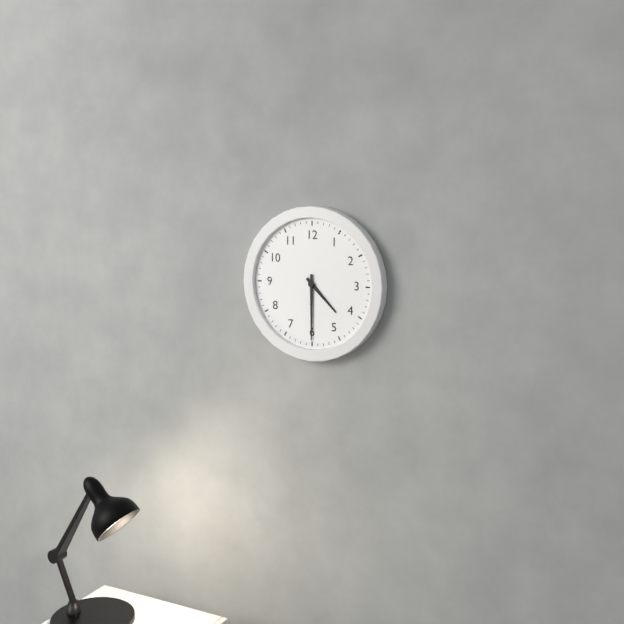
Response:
{"hour": 4, "minute": 30}
